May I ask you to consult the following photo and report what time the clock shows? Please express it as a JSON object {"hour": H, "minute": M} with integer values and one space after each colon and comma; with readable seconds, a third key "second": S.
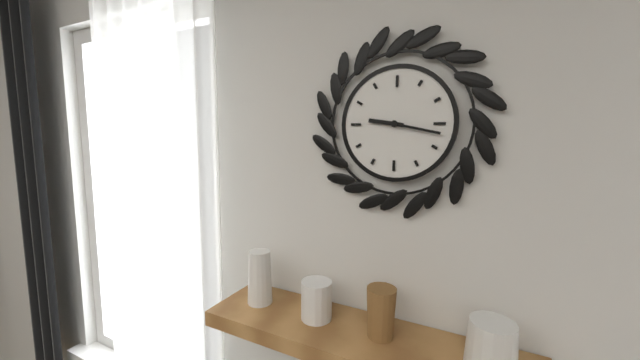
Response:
{"hour": 9, "minute": 17}
